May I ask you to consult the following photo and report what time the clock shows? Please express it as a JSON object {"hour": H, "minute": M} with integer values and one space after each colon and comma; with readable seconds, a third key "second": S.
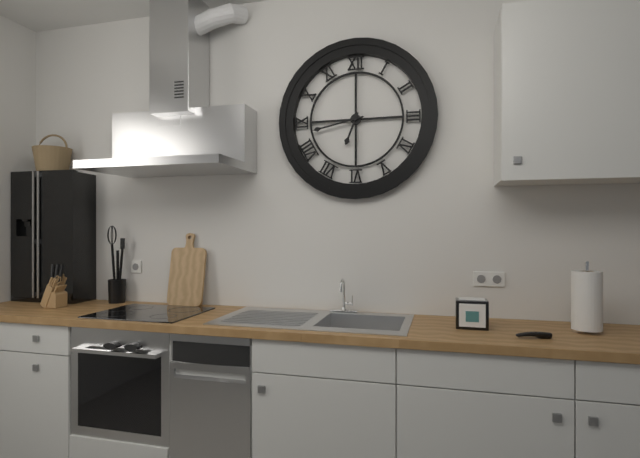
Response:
{"hour": 6, "minute": 43}
